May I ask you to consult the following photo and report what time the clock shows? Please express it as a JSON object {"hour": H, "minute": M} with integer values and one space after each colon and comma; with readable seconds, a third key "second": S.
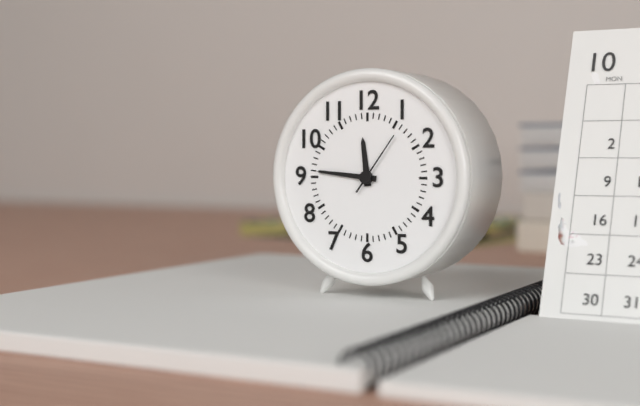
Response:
{"hour": 11, "minute": 46, "second": 6}
